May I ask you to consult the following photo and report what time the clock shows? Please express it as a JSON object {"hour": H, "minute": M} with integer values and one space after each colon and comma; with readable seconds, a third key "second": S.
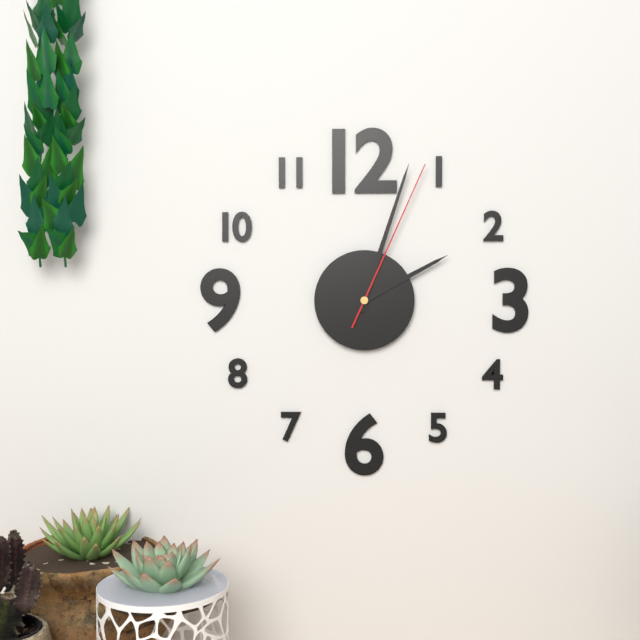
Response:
{"hour": 2, "minute": 3, "second": 4}
